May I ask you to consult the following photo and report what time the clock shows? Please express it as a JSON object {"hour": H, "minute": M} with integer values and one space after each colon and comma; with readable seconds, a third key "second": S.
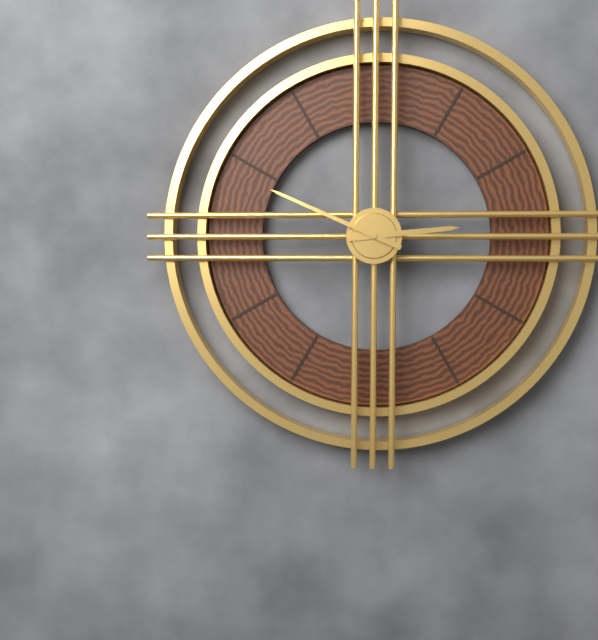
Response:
{"hour": 2, "minute": 49}
